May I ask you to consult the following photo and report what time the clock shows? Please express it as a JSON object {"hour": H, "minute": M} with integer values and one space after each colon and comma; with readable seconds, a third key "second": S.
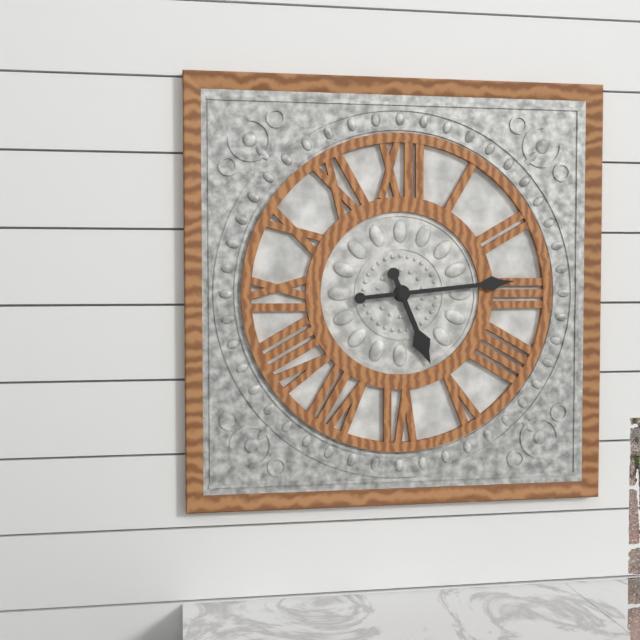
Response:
{"hour": 5, "minute": 14}
